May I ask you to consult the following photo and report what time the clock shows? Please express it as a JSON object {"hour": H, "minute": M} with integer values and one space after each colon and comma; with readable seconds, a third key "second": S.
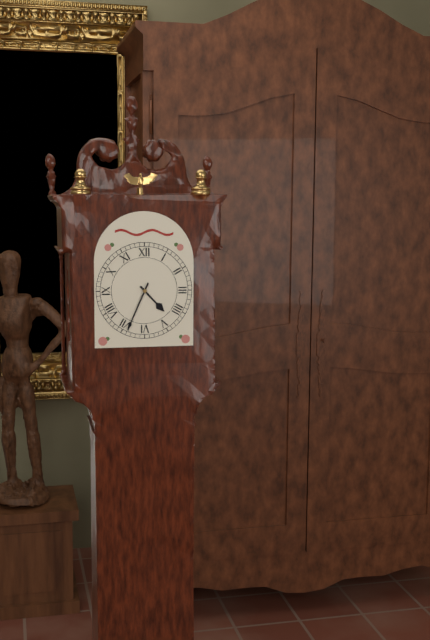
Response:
{"hour": 4, "minute": 34}
